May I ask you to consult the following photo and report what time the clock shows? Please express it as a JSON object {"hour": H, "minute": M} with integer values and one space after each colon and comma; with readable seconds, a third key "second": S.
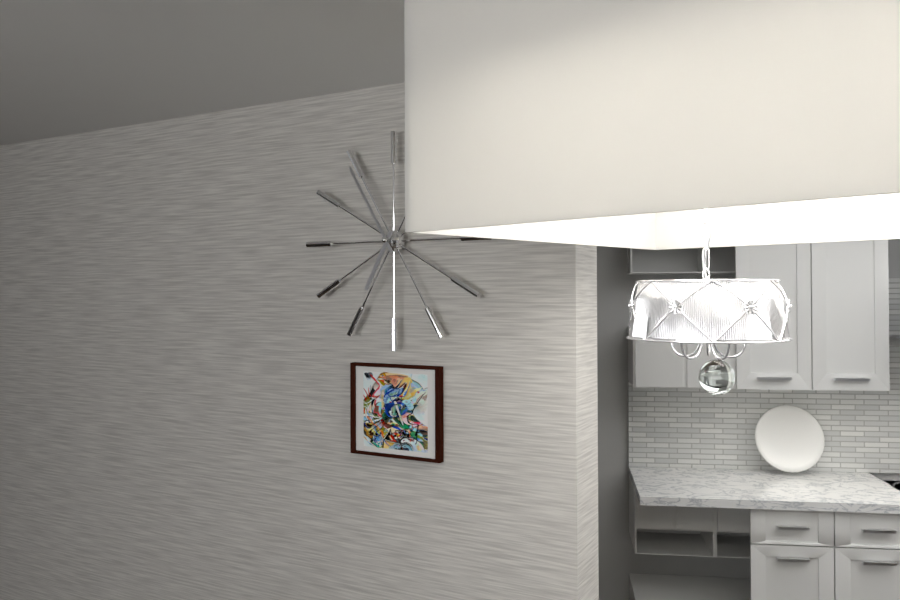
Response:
{"hour": 6, "minute": 55}
